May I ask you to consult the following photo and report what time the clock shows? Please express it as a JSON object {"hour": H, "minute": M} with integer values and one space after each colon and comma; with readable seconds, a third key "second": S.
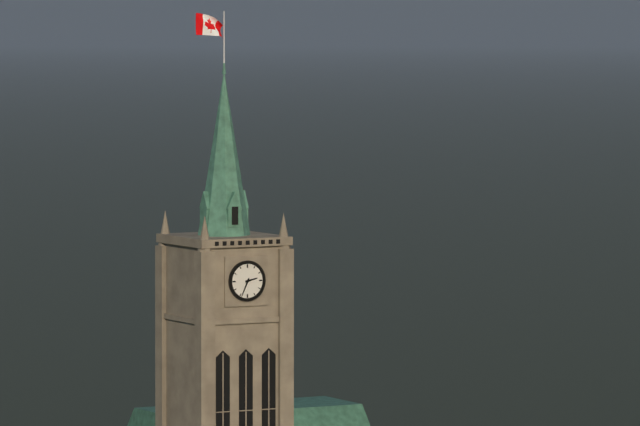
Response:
{"hour": 2, "minute": 34}
